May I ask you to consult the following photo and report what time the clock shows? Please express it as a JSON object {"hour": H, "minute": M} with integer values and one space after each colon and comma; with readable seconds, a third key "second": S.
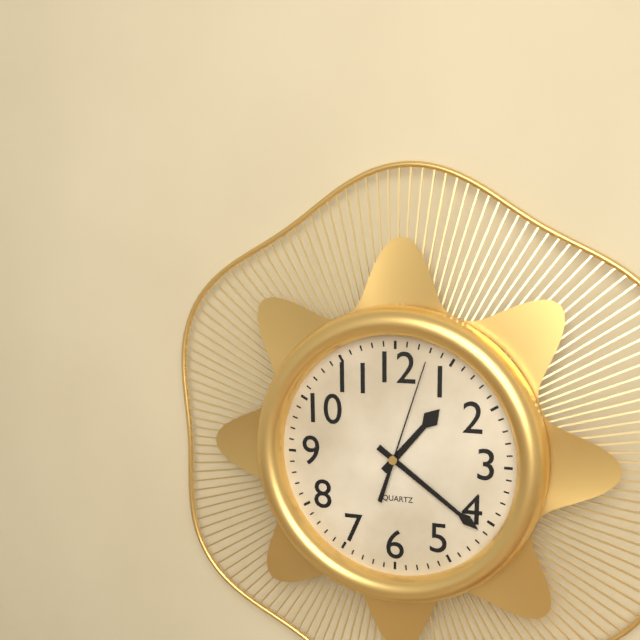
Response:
{"hour": 1, "minute": 21, "second": 3}
